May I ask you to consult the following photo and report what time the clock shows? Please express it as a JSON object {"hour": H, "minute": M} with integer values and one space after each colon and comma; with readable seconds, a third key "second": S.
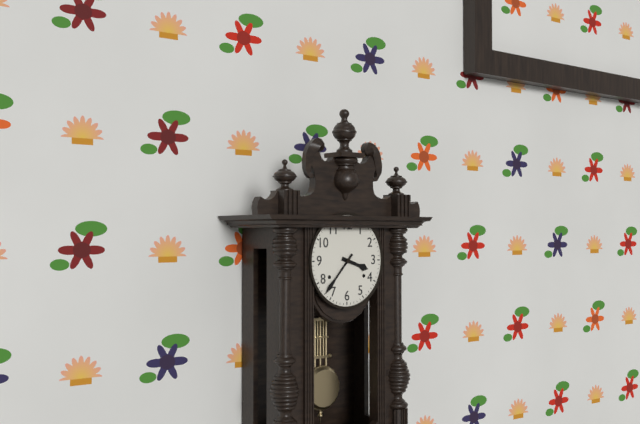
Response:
{"hour": 3, "minute": 37}
